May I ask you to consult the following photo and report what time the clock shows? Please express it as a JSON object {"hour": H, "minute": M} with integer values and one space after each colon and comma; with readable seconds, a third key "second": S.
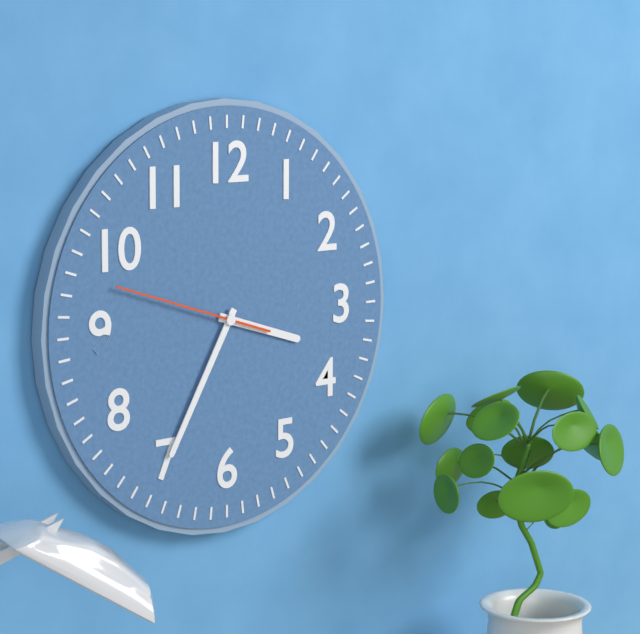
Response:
{"hour": 3, "minute": 35, "second": 48}
